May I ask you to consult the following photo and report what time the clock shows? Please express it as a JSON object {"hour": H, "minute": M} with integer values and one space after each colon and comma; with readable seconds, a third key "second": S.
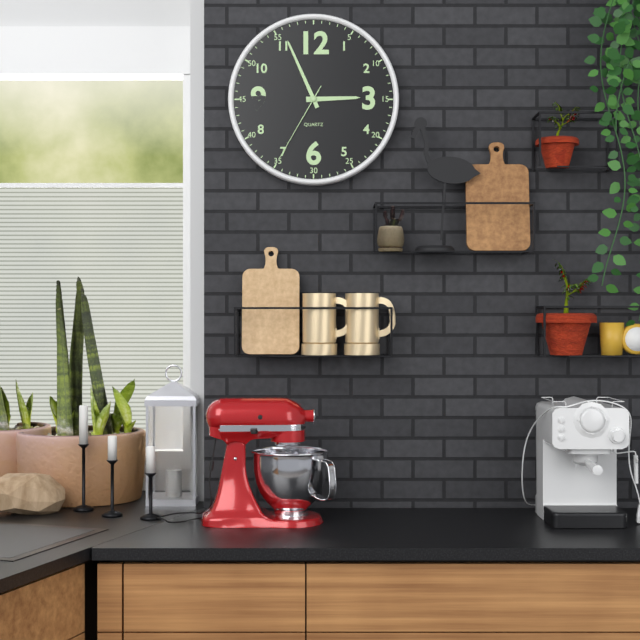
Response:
{"hour": 2, "minute": 56, "second": 35}
